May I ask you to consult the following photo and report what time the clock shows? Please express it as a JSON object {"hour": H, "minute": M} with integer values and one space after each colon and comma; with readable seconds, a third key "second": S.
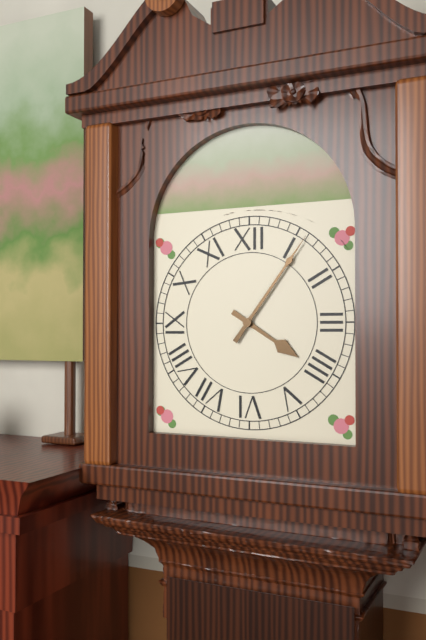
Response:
{"hour": 4, "minute": 6}
